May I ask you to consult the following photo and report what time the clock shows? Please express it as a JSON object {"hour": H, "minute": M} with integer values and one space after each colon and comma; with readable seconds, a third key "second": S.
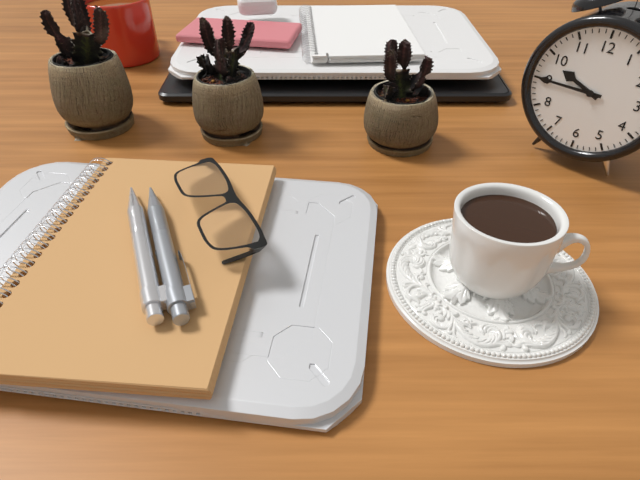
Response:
{"hour": 9, "minute": 45}
